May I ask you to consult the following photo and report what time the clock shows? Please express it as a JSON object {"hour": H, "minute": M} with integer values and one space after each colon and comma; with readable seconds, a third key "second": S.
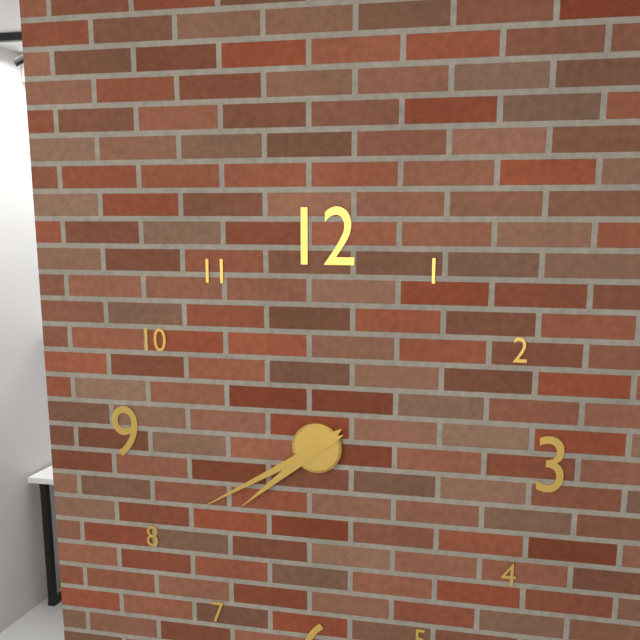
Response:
{"hour": 7, "minute": 40}
